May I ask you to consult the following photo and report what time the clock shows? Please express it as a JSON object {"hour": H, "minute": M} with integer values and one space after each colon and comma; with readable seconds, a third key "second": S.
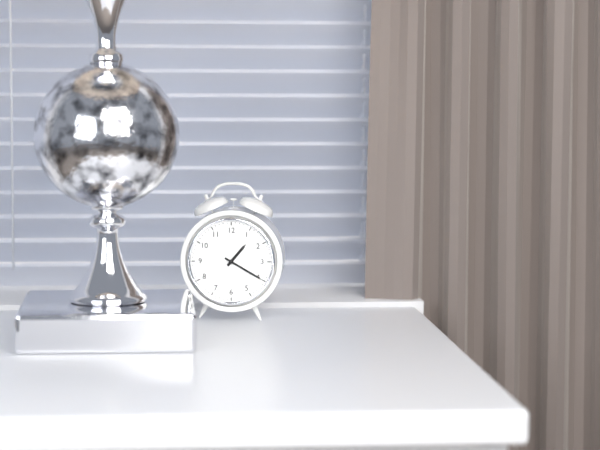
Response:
{"hour": 1, "minute": 20}
